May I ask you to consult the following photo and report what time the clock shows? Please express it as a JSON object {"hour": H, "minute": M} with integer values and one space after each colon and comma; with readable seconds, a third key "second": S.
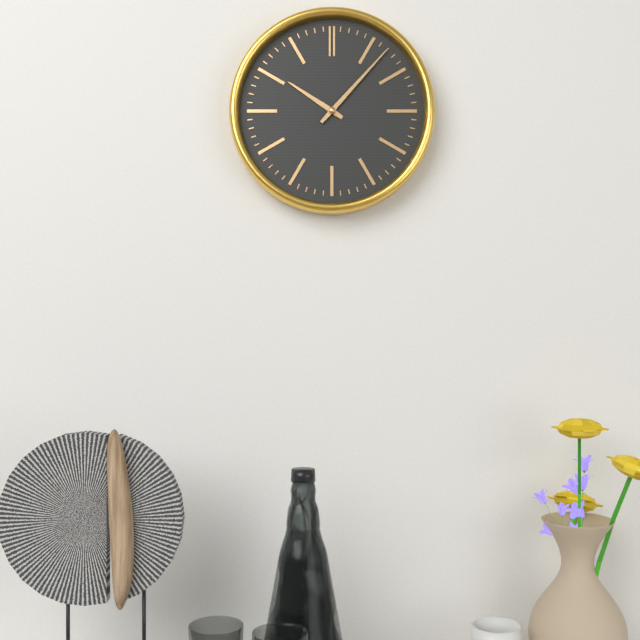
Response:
{"hour": 10, "minute": 7}
